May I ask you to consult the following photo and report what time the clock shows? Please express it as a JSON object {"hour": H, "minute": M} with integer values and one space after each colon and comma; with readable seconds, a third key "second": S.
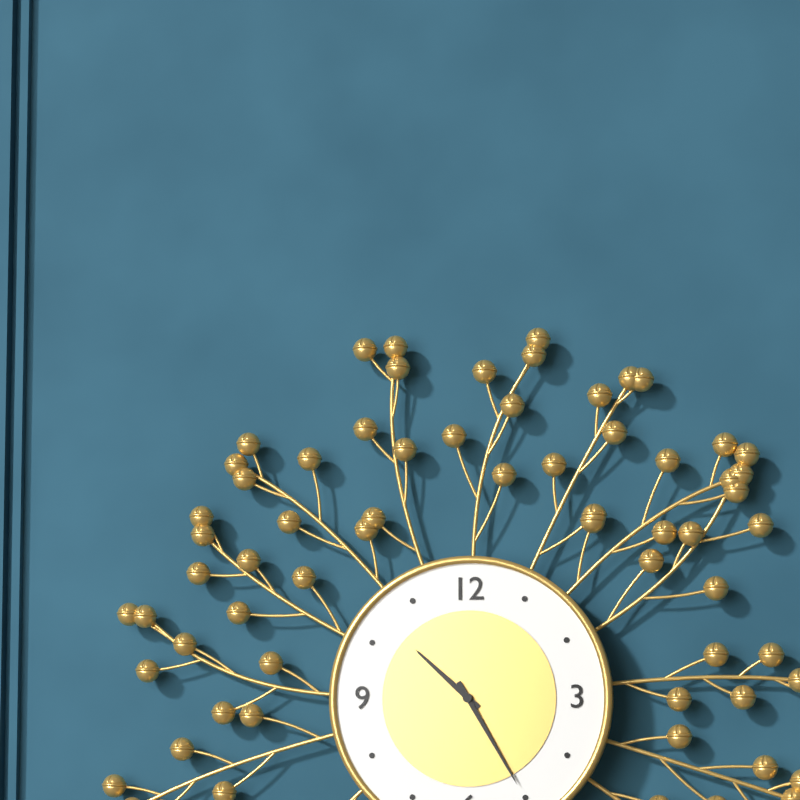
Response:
{"hour": 10, "minute": 25}
